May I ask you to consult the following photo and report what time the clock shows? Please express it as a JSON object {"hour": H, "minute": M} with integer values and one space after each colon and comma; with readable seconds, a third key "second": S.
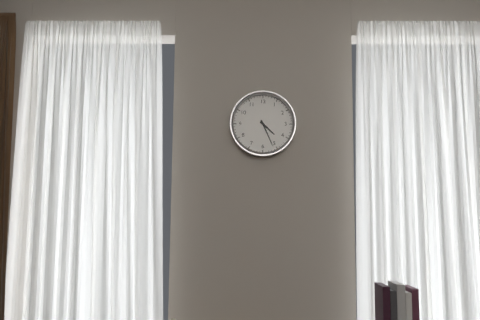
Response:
{"hour": 4, "minute": 26}
